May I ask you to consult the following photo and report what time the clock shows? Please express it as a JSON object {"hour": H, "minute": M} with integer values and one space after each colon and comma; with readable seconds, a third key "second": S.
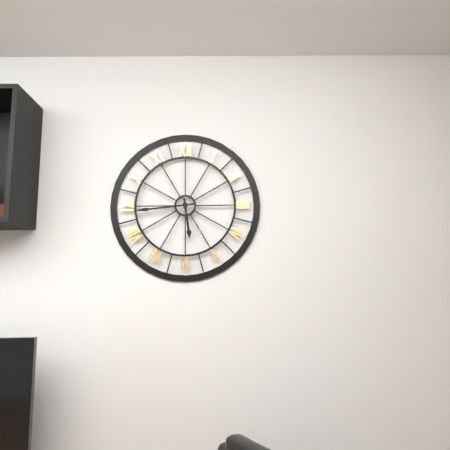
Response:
{"hour": 5, "minute": 44}
